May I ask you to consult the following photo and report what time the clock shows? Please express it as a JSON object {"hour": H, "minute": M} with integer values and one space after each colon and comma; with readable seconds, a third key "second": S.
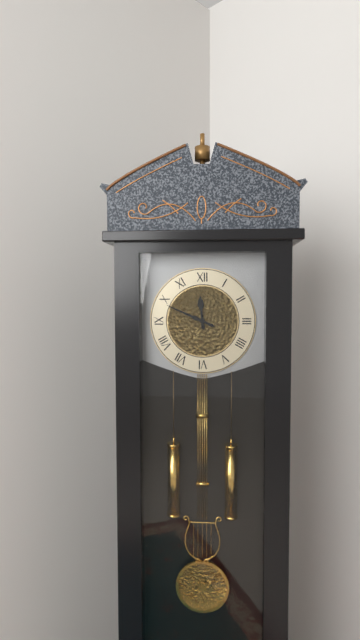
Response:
{"hour": 11, "minute": 49}
